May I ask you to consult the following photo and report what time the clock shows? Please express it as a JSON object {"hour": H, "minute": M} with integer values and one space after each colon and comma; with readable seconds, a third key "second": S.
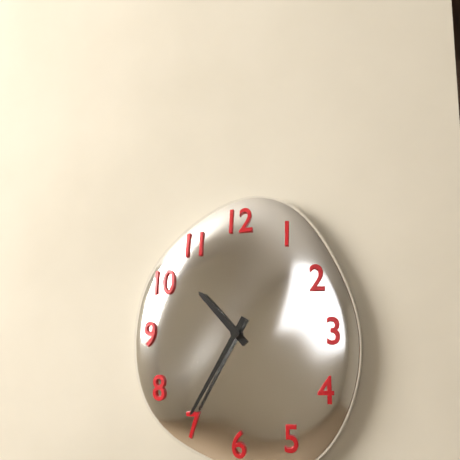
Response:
{"hour": 10, "minute": 35}
